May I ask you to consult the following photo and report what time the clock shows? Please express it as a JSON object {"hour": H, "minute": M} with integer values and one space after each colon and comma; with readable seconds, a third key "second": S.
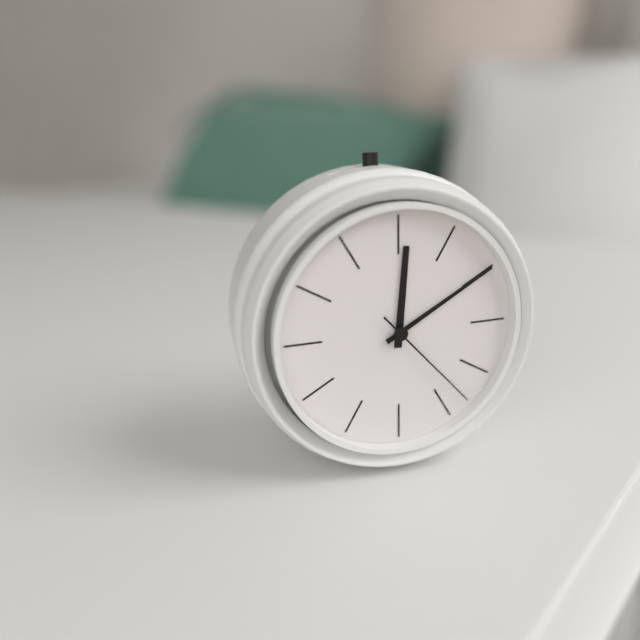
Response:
{"hour": 12, "minute": 10, "second": 23}
